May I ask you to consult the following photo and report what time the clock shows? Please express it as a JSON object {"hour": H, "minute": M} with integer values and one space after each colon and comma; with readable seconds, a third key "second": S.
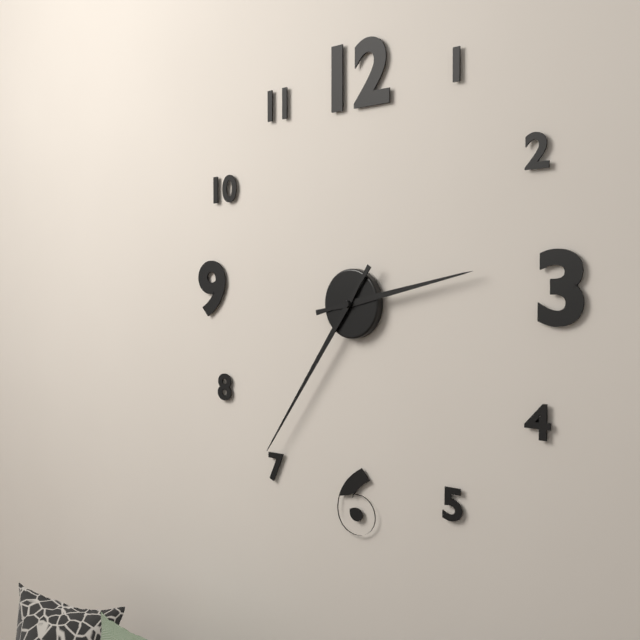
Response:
{"hour": 2, "minute": 36}
